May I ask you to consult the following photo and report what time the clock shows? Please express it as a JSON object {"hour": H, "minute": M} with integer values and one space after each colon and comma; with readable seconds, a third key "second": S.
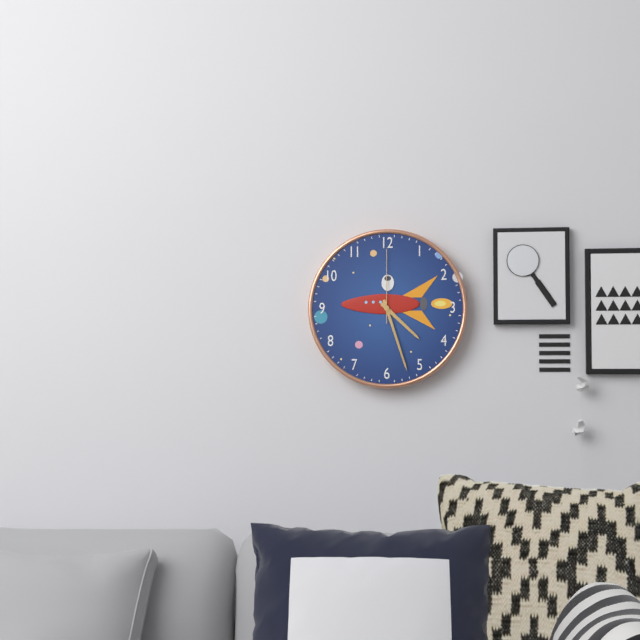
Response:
{"hour": 4, "minute": 27, "second": 0}
